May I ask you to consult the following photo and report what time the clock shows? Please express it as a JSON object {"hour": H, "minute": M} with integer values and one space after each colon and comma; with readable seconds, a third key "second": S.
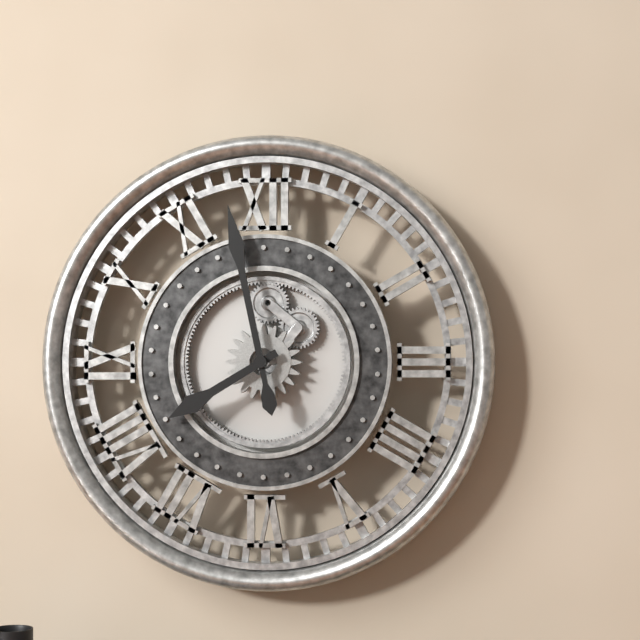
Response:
{"hour": 7, "minute": 58}
